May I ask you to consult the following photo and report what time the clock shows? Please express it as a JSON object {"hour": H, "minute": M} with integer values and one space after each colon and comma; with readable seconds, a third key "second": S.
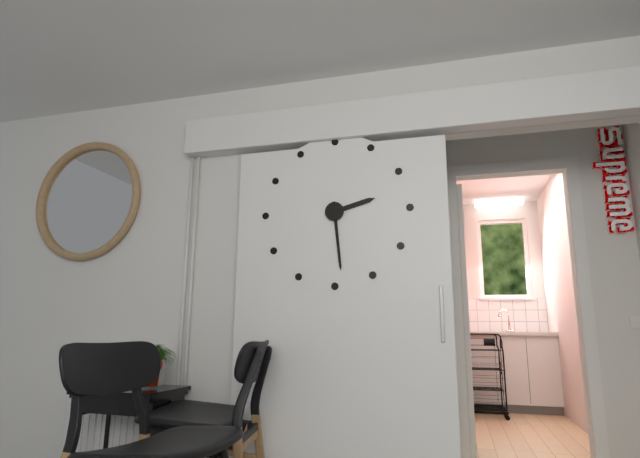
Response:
{"hour": 2, "minute": 29}
